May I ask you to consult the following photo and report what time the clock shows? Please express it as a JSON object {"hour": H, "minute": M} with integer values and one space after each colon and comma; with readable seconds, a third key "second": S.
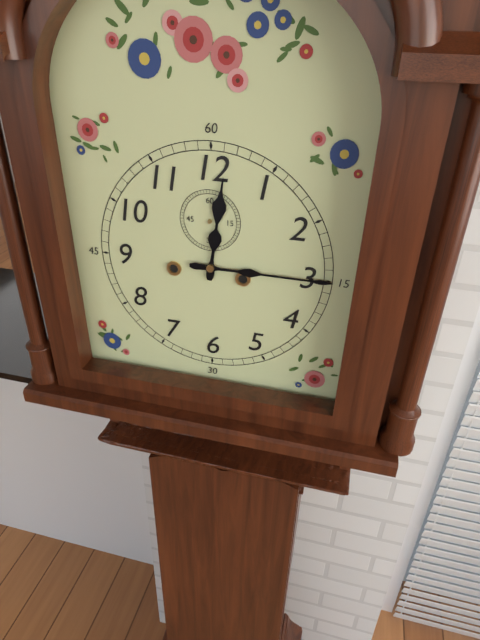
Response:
{"hour": 12, "minute": 15}
